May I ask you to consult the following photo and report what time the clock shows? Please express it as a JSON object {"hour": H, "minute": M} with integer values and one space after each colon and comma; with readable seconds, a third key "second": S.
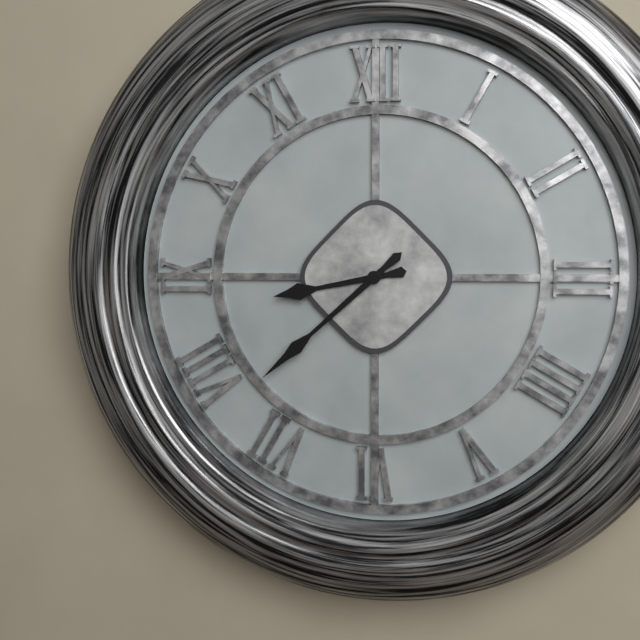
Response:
{"hour": 8, "minute": 38}
